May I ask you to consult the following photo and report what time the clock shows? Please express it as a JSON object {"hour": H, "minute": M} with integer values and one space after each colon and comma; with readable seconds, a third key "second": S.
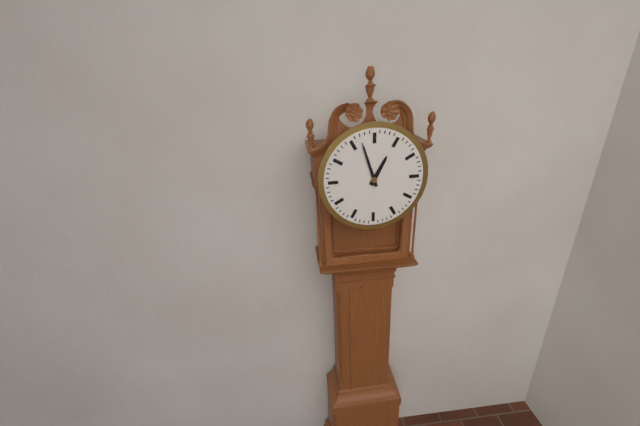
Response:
{"hour": 12, "minute": 57}
